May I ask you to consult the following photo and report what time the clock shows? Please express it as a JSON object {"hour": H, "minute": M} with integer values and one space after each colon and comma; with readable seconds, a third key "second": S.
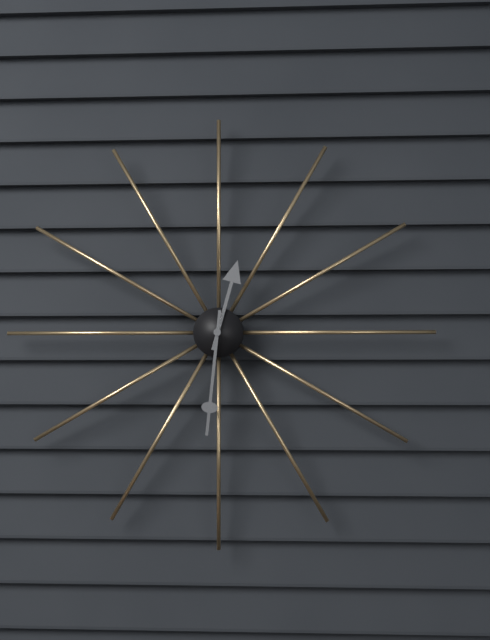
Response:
{"hour": 12, "minute": 31}
